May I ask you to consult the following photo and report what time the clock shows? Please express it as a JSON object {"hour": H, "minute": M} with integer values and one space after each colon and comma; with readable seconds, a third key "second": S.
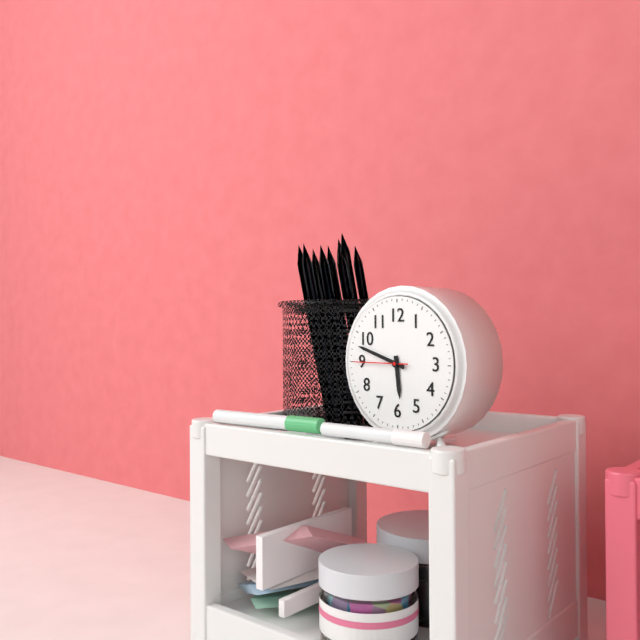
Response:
{"hour": 5, "minute": 48, "second": 45}
